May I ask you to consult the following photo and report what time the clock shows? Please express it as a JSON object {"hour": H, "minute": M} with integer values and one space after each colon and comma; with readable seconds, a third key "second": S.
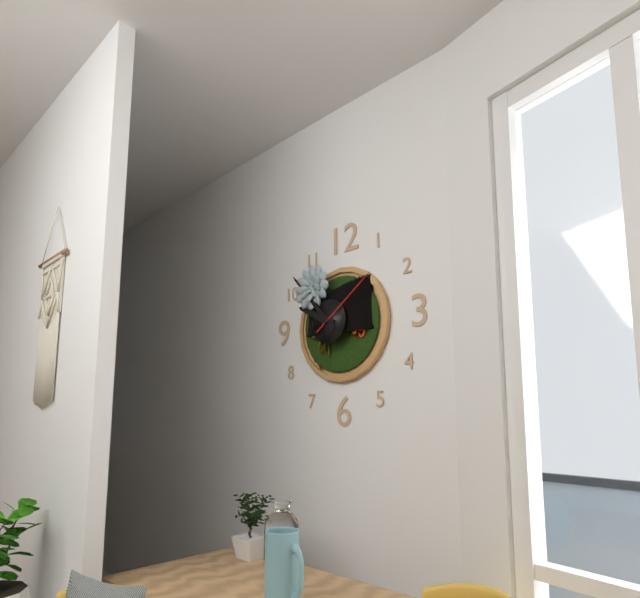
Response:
{"hour": 9, "minute": 53, "second": 9}
